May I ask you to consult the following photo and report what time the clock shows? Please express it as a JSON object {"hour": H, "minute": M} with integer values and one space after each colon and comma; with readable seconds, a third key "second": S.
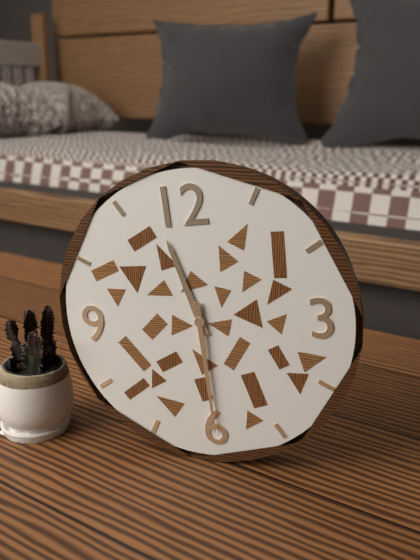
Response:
{"hour": 11, "minute": 30}
